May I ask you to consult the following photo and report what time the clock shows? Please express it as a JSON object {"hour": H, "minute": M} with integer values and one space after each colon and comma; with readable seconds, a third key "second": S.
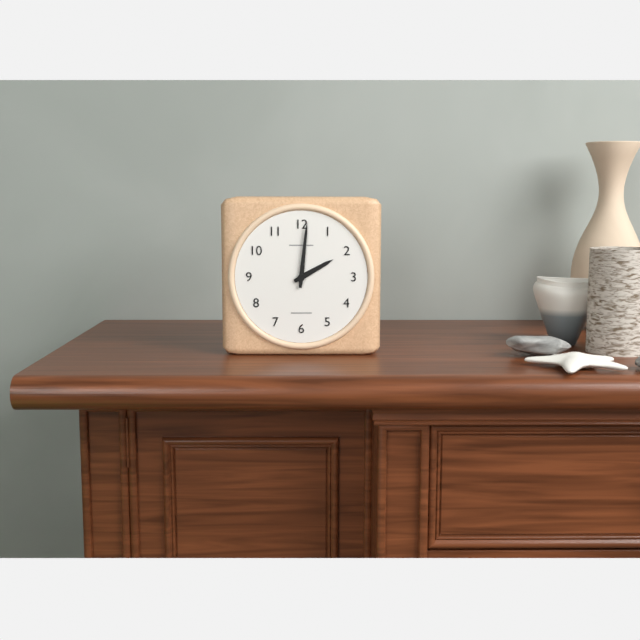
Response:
{"hour": 2, "minute": 1}
